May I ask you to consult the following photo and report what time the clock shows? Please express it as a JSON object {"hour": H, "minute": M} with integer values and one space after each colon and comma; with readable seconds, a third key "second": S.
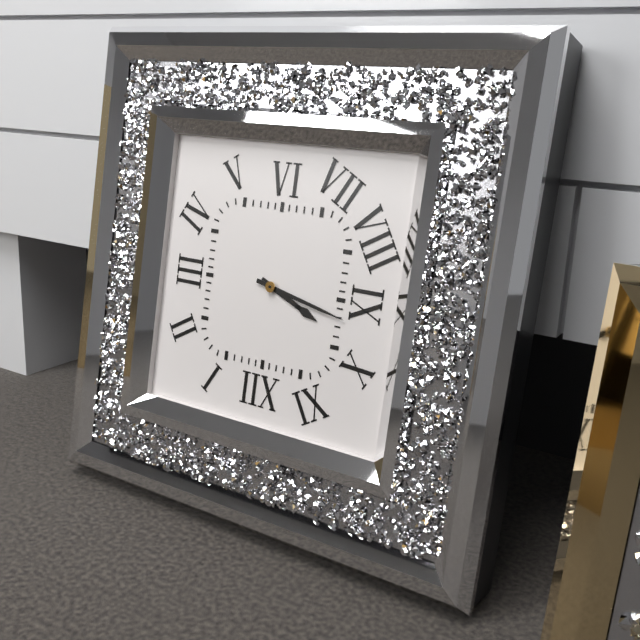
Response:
{"hour": 9, "minute": 47}
